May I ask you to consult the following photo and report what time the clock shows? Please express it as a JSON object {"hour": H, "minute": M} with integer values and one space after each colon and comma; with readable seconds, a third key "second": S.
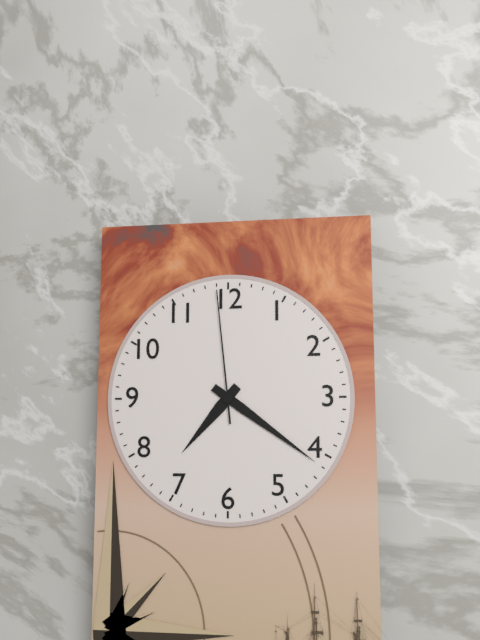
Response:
{"hour": 7, "minute": 21, "second": 59}
